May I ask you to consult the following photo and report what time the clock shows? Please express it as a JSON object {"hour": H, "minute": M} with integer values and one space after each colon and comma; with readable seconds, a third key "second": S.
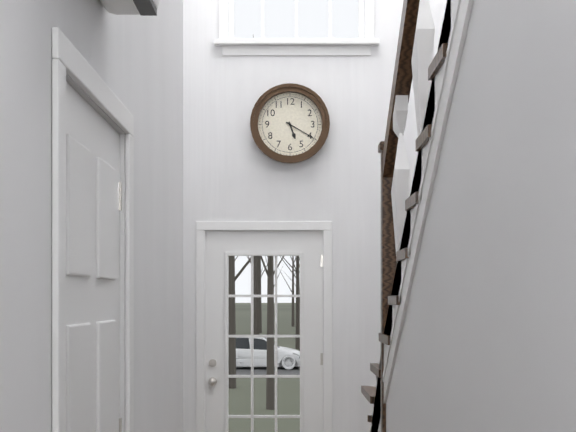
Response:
{"hour": 5, "minute": 20}
